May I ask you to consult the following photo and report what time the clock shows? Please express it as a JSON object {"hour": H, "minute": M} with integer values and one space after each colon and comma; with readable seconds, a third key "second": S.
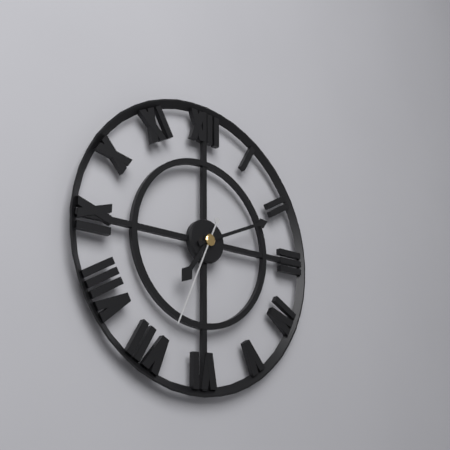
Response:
{"hour": 7, "minute": 11, "second": 34}
